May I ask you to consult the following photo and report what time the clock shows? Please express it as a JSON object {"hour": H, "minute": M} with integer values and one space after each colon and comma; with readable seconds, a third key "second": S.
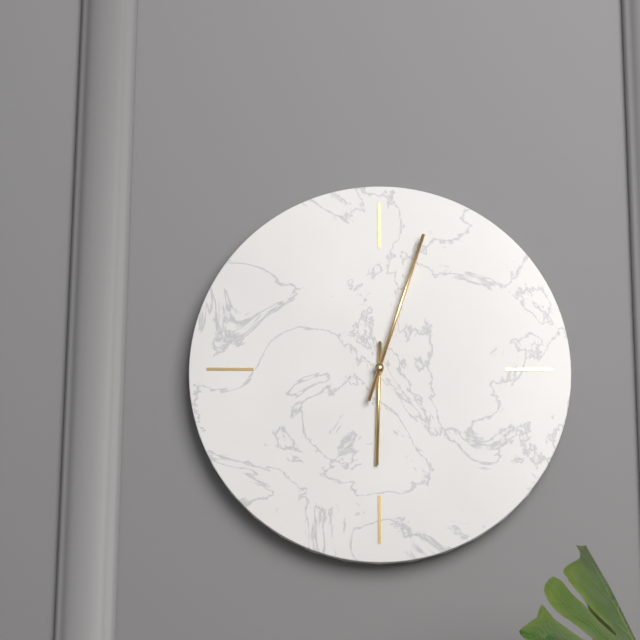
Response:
{"hour": 6, "minute": 3}
